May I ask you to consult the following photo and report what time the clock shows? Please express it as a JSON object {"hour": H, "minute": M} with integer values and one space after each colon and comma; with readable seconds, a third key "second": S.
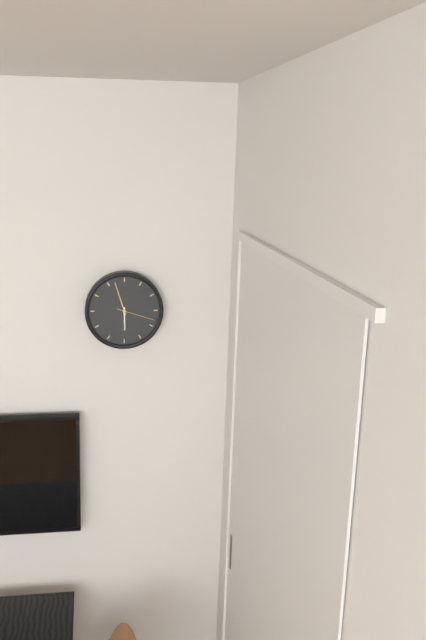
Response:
{"hour": 5, "minute": 57}
